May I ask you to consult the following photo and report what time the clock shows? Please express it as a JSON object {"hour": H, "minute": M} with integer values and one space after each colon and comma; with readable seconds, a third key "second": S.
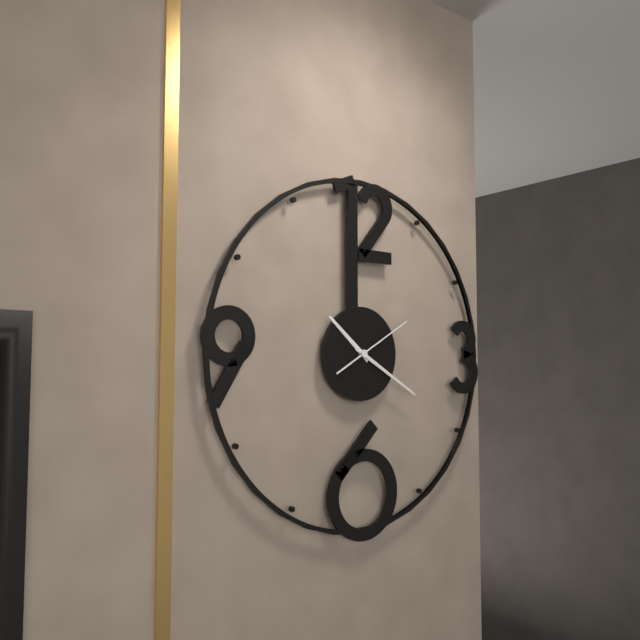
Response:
{"hour": 10, "minute": 20, "second": 10}
